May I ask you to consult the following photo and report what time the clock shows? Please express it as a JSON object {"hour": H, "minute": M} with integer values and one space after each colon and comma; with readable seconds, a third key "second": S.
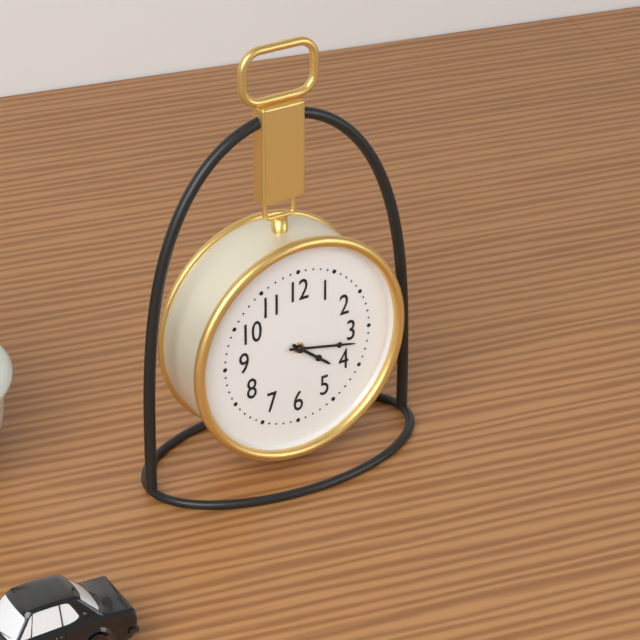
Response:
{"hour": 4, "minute": 17}
